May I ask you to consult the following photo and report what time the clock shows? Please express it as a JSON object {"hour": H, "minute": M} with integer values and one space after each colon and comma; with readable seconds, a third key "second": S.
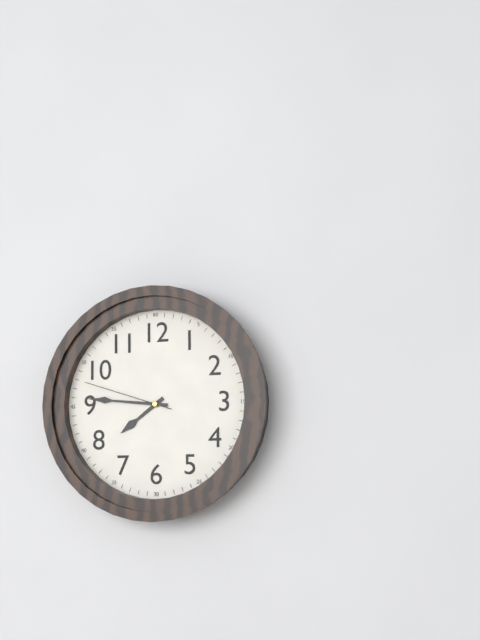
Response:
{"hour": 7, "minute": 46, "second": 48}
